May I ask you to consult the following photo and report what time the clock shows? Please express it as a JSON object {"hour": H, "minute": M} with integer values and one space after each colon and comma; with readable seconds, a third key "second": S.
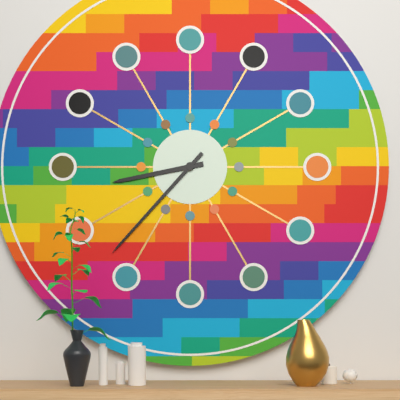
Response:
{"hour": 8, "minute": 37}
